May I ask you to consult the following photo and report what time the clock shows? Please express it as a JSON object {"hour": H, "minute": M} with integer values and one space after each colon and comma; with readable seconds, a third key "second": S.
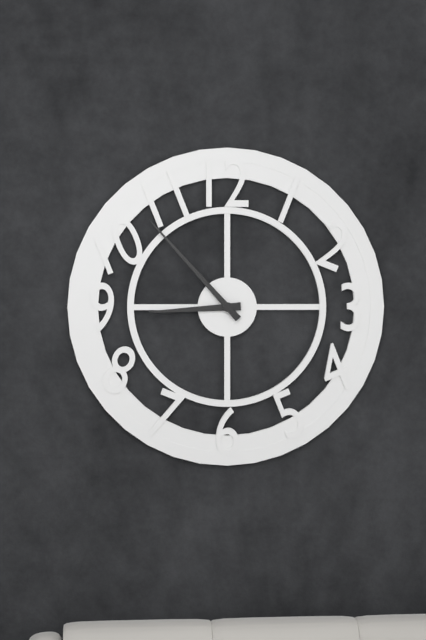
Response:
{"hour": 8, "minute": 53}
